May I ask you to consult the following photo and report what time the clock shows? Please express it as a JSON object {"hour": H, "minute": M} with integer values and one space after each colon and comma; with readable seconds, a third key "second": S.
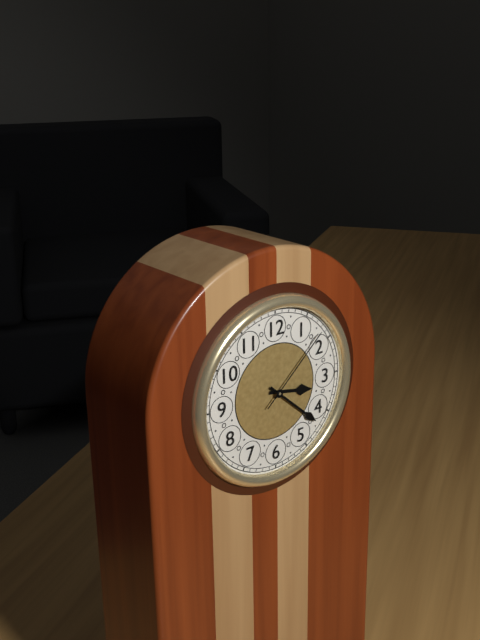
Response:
{"hour": 3, "minute": 22, "second": 8}
